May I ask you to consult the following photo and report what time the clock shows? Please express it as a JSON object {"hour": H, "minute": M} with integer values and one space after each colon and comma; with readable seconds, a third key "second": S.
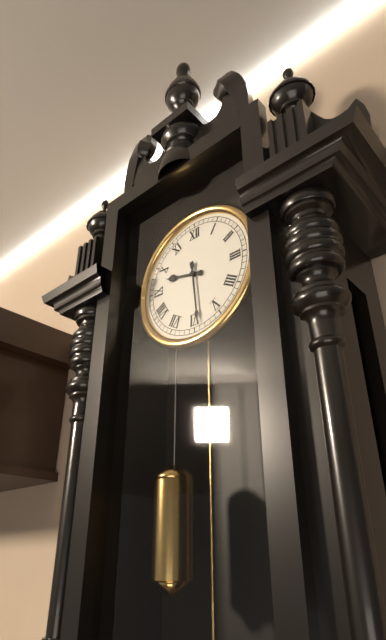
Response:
{"hour": 9, "minute": 29}
